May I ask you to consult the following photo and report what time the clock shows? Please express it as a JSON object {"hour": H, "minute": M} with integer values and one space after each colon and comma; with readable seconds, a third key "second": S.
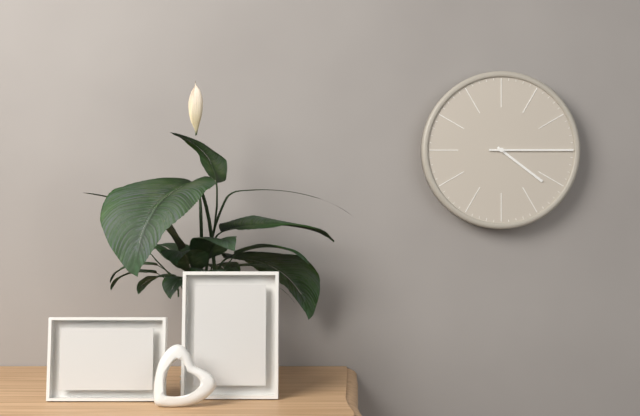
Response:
{"hour": 4, "minute": 15}
